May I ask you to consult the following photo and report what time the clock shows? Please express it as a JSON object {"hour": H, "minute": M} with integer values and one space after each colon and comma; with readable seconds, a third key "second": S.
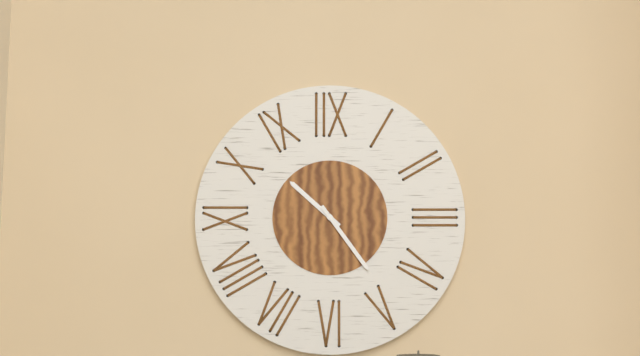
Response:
{"hour": 10, "minute": 24}
